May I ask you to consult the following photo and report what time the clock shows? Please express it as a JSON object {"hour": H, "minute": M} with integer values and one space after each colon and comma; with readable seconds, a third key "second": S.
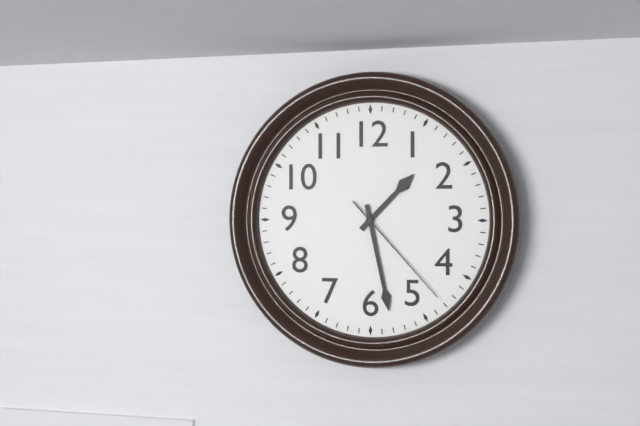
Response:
{"hour": 1, "minute": 28, "second": 23}
